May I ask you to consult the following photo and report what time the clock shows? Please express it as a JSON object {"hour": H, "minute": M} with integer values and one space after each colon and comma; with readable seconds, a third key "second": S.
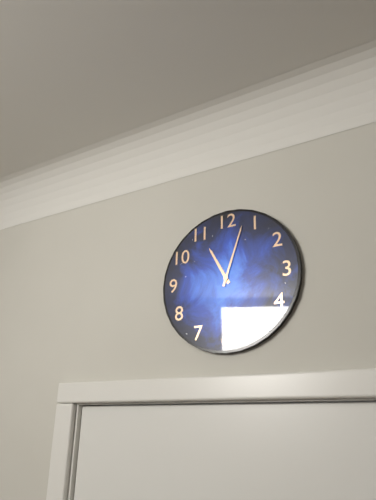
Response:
{"hour": 11, "minute": 3}
